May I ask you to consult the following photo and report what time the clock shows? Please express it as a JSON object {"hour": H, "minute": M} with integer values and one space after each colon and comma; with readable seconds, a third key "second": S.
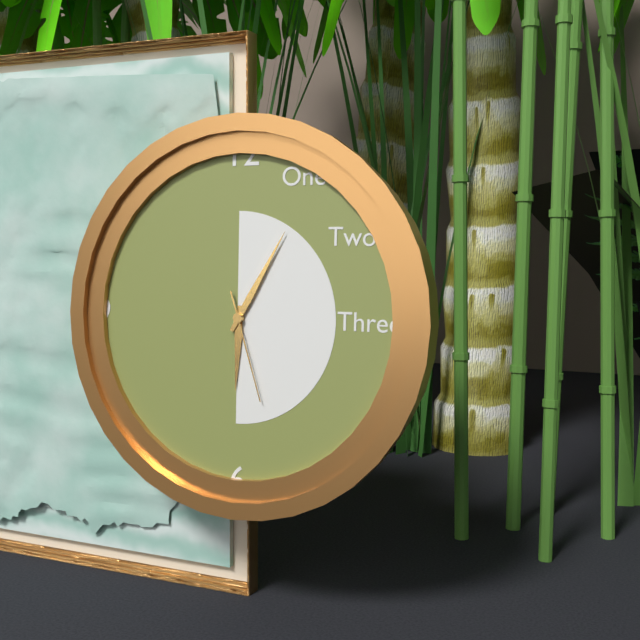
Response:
{"hour": 6, "minute": 5, "second": 27}
